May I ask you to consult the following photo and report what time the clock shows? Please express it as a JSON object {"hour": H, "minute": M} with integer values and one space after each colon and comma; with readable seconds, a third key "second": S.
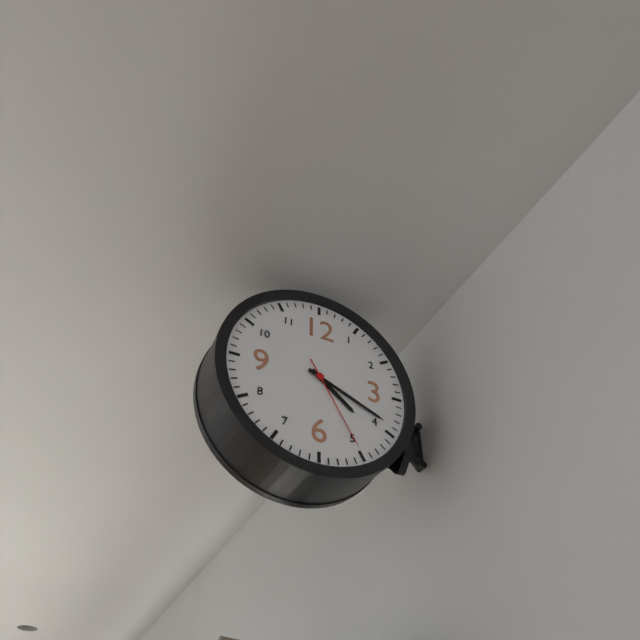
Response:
{"hour": 4, "minute": 19, "second": 25}
